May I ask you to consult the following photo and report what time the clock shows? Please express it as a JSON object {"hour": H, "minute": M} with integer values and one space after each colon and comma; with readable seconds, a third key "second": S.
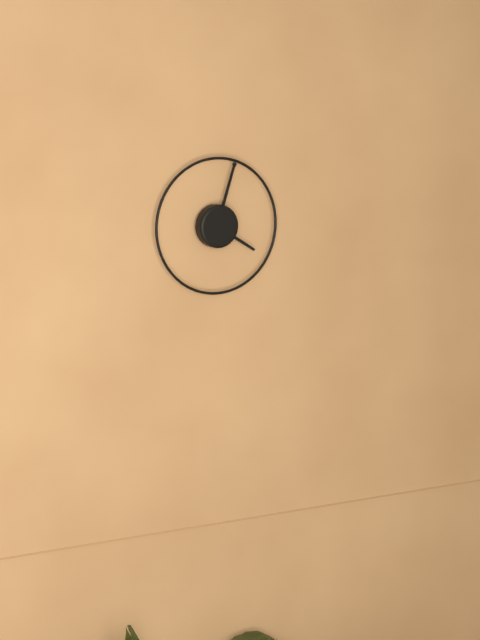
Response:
{"hour": 4, "minute": 3}
